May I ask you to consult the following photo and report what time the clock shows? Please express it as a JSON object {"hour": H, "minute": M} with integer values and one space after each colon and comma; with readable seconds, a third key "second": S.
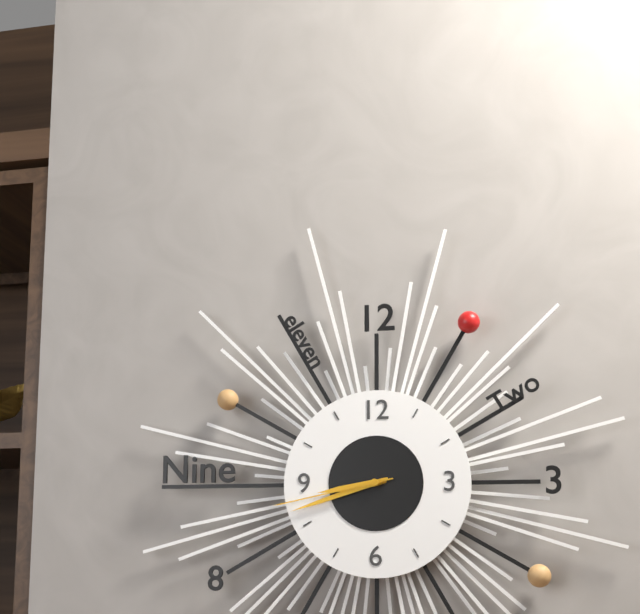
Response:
{"hour": 8, "minute": 42, "second": 43}
